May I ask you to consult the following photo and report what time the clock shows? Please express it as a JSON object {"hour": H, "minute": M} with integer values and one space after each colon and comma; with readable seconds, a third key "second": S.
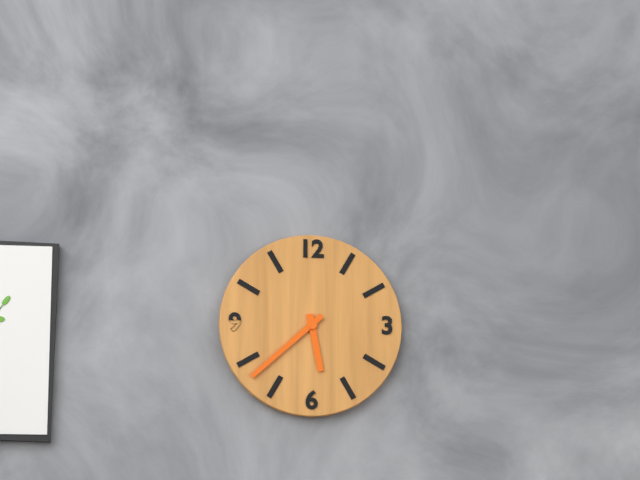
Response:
{"hour": 5, "minute": 38}
